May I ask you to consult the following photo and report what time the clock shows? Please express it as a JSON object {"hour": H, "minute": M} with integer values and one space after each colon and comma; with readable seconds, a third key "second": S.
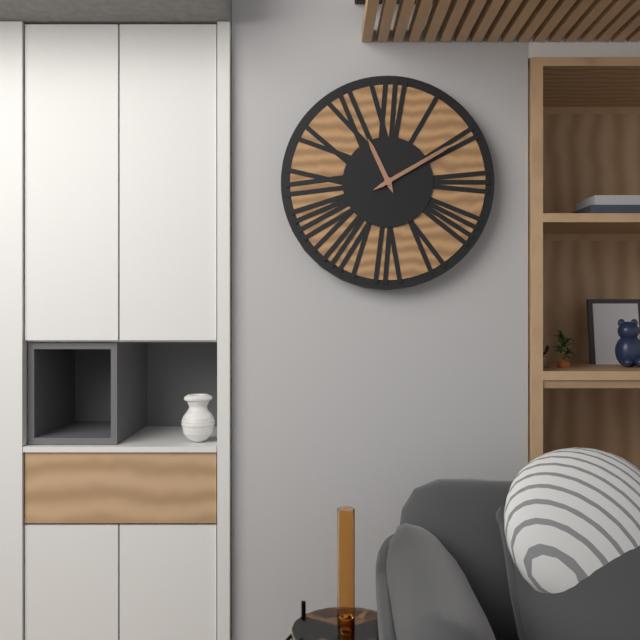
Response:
{"hour": 11, "minute": 10}
